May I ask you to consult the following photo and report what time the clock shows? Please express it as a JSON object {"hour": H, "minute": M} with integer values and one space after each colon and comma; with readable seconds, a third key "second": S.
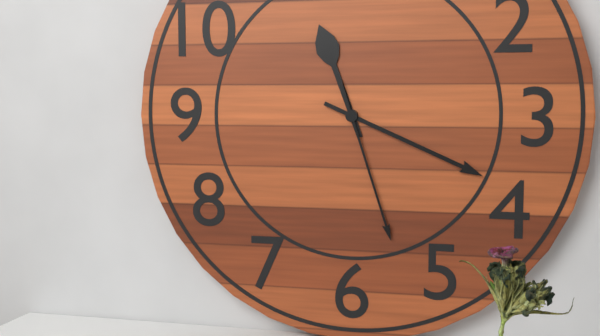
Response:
{"hour": 11, "minute": 19, "second": 27}
